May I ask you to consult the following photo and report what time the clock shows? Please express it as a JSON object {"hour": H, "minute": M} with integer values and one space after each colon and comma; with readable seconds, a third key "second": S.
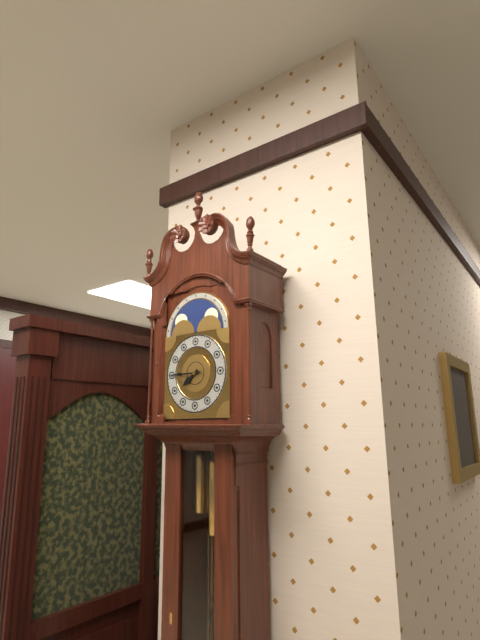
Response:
{"hour": 7, "minute": 45}
